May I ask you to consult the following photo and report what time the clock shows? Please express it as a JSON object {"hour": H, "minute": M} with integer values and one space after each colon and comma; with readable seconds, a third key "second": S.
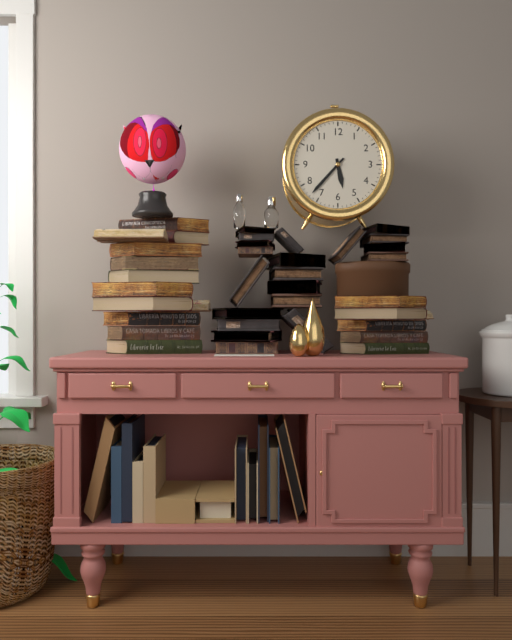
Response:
{"hour": 5, "minute": 37}
